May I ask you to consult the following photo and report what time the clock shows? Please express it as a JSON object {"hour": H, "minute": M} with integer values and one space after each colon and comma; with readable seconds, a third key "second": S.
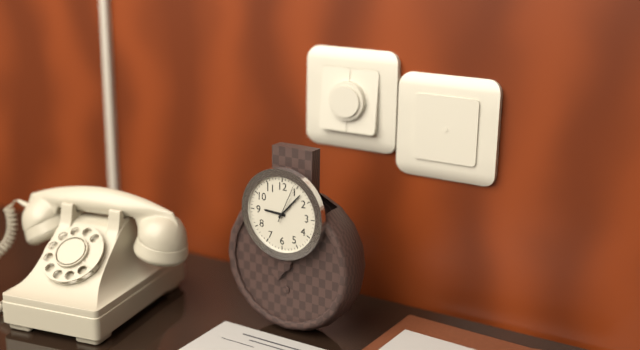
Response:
{"hour": 9, "minute": 7}
